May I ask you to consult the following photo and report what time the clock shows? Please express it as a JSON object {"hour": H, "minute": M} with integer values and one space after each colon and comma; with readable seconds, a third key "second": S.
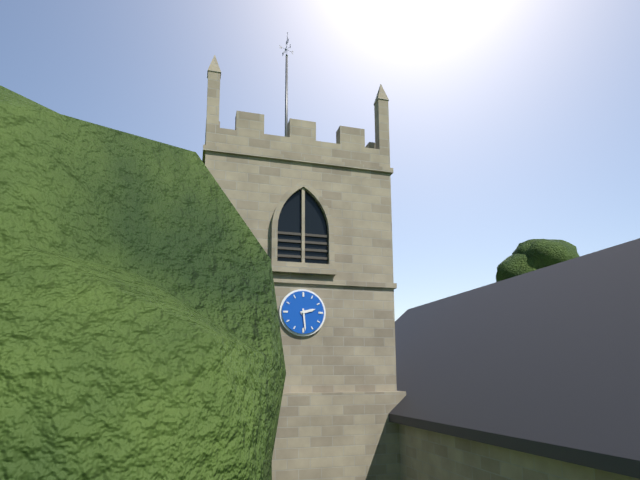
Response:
{"hour": 2, "minute": 29}
